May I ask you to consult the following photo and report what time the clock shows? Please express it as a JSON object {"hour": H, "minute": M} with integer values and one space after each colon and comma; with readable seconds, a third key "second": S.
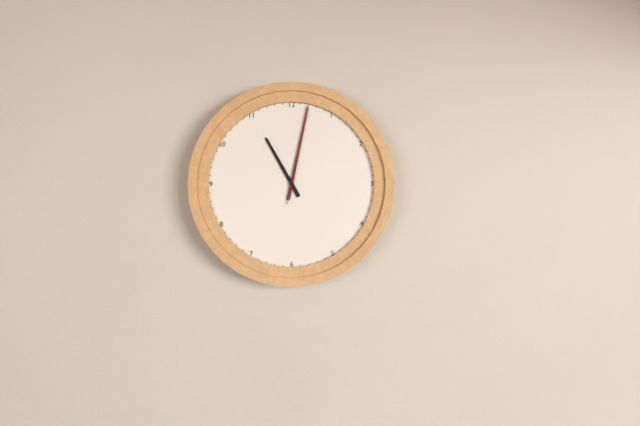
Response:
{"hour": 11, "minute": 2, "second": 2}
